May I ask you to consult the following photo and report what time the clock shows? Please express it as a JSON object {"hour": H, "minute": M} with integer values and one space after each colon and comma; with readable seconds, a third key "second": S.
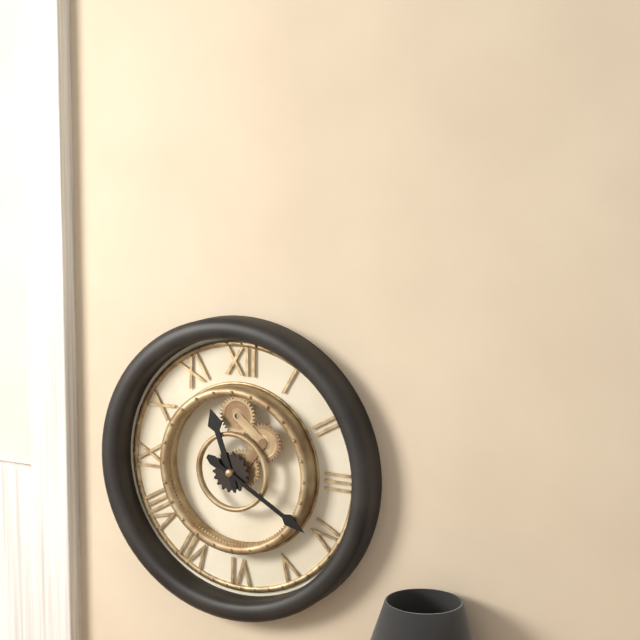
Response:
{"hour": 11, "minute": 20}
